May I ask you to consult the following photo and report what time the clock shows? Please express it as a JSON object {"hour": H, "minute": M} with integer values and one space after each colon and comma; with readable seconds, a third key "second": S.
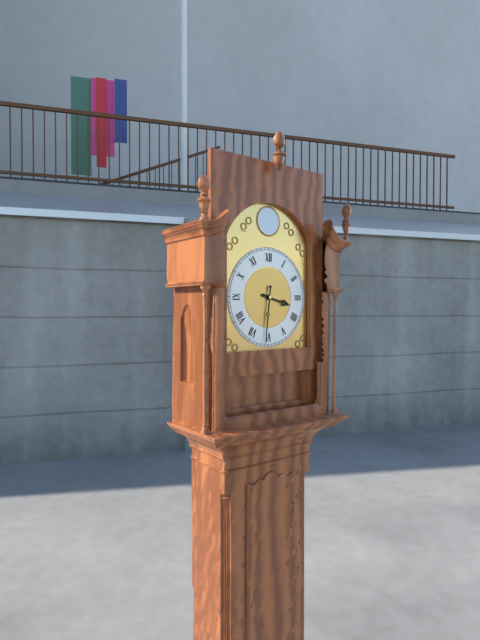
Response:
{"hour": 3, "minute": 31}
